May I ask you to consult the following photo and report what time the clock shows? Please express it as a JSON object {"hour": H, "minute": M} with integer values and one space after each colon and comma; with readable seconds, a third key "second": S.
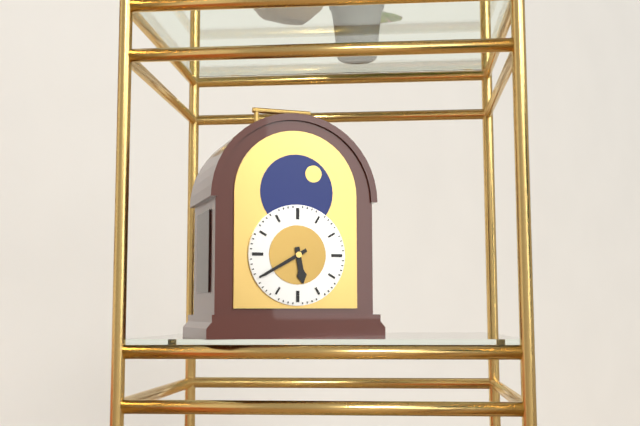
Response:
{"hour": 5, "minute": 40}
